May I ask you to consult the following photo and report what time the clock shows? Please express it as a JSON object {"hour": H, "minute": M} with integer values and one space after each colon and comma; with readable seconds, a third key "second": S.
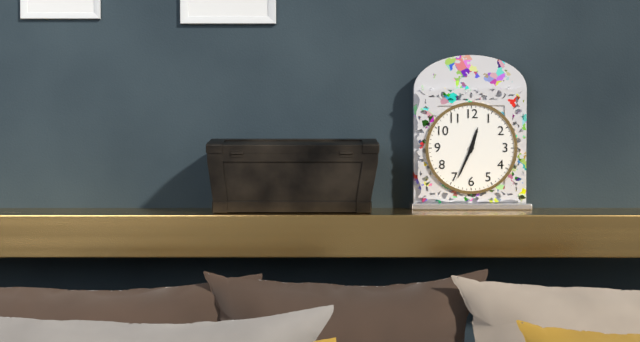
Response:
{"hour": 12, "minute": 34}
